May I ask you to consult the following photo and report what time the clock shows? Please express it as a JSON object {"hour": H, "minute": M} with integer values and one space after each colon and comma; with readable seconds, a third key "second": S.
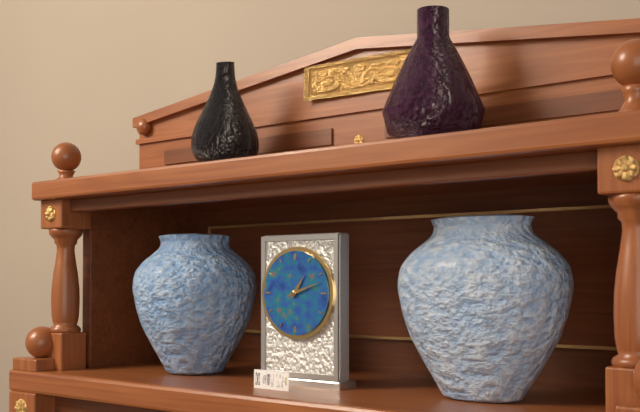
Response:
{"hour": 1, "minute": 12}
